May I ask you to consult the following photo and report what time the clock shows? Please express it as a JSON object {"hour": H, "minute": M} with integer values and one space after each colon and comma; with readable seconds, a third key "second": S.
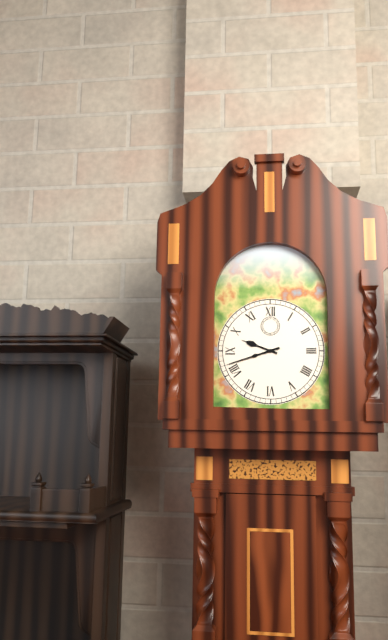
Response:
{"hour": 9, "minute": 42}
